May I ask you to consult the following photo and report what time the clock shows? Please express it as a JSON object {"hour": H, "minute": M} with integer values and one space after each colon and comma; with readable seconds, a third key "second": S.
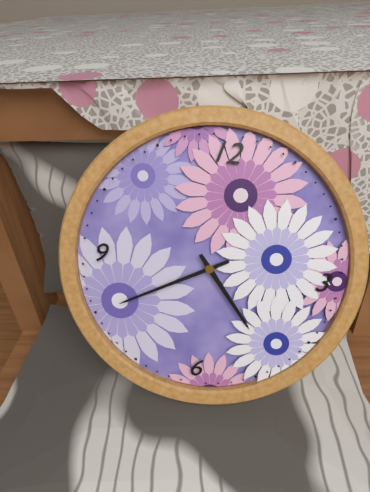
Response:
{"hour": 4, "minute": 40}
